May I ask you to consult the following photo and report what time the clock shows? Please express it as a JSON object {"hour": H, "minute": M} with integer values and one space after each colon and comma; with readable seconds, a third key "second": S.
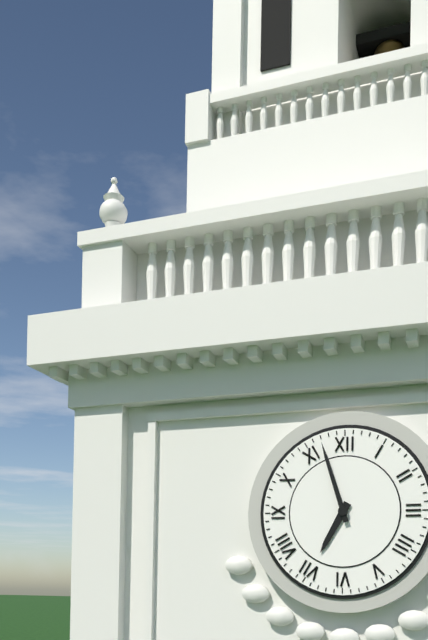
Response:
{"hour": 6, "minute": 57}
